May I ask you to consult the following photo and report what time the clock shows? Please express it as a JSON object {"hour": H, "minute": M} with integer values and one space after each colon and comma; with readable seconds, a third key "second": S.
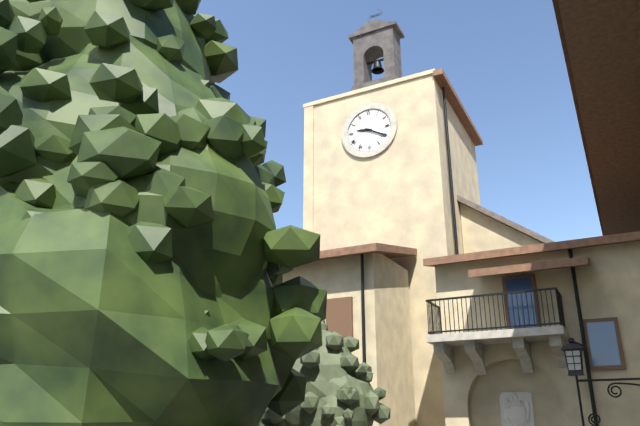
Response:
{"hour": 9, "minute": 20}
